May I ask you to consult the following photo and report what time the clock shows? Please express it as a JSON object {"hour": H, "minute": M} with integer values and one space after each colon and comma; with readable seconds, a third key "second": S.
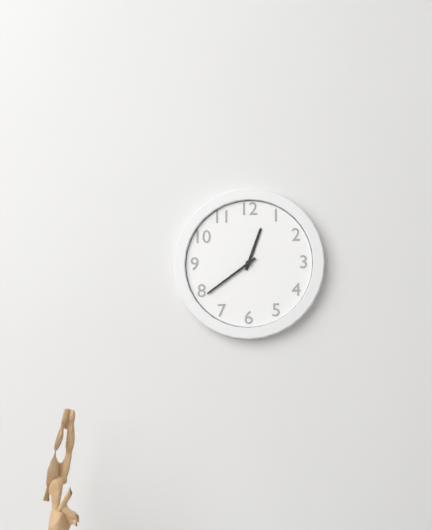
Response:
{"hour": 12, "minute": 39}
